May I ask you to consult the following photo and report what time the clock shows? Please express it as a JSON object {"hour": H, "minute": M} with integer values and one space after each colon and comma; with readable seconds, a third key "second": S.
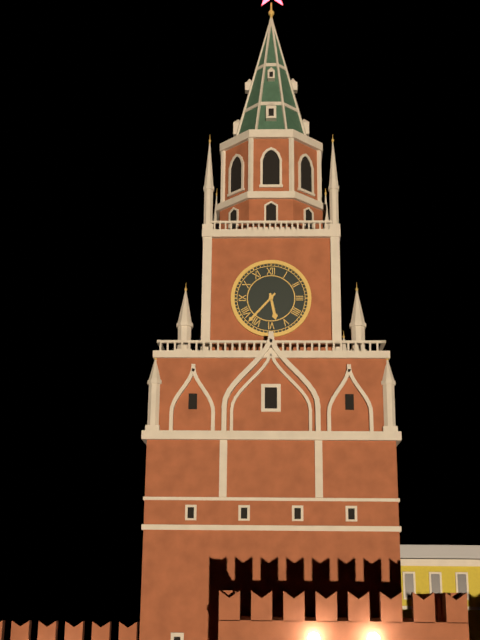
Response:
{"hour": 5, "minute": 37}
